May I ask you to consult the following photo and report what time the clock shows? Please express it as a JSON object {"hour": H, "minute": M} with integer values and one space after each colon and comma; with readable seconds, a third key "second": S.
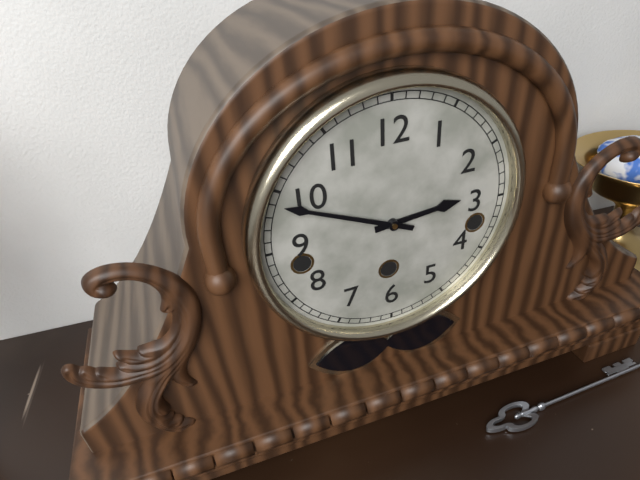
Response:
{"hour": 2, "minute": 49}
